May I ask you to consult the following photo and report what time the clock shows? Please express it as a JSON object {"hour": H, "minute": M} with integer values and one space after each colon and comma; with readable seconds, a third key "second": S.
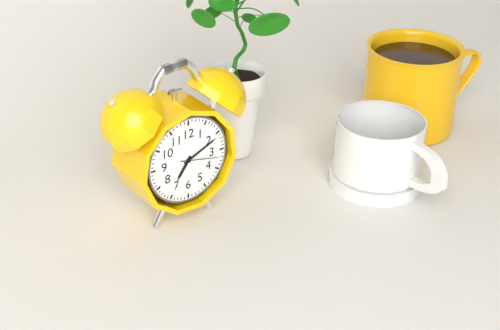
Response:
{"hour": 7, "minute": 11}
